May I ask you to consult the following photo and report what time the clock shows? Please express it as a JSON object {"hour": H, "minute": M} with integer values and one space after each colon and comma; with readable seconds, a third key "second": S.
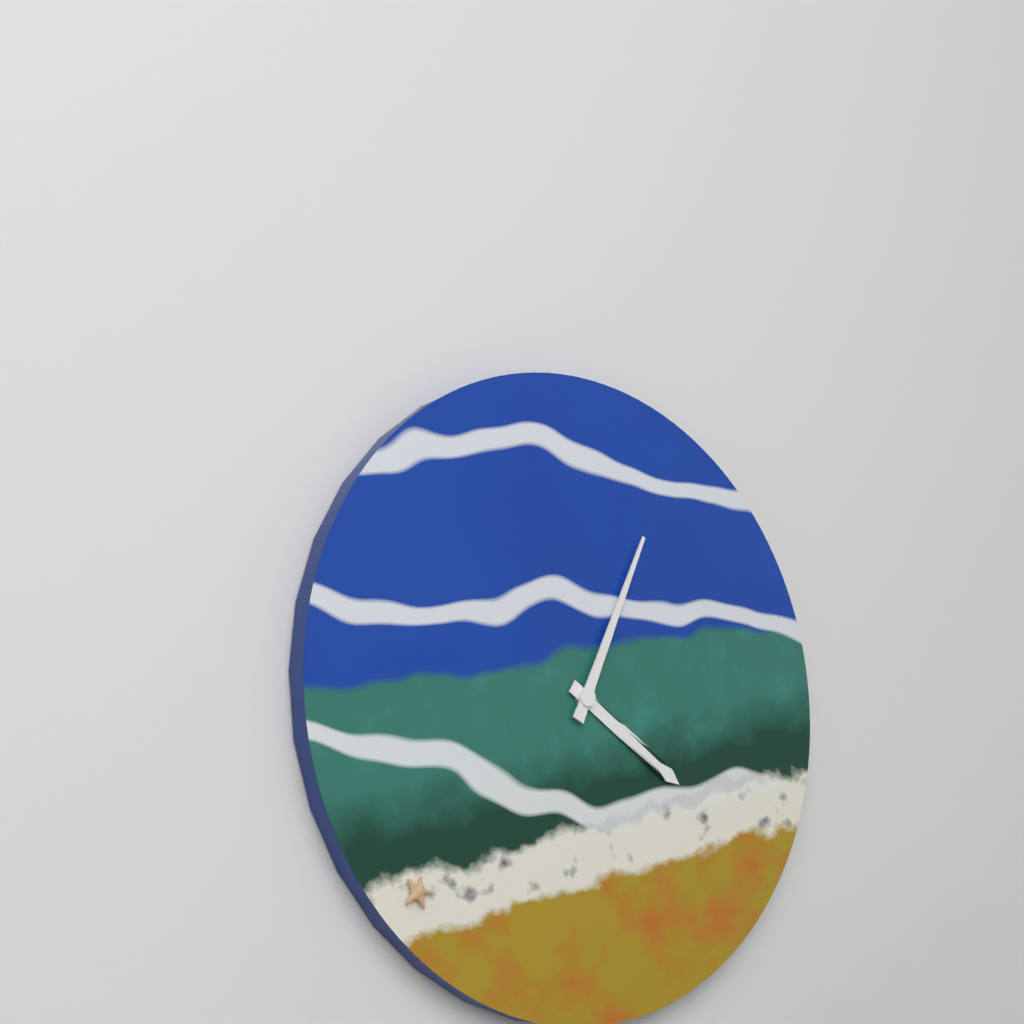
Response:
{"hour": 4, "minute": 4}
